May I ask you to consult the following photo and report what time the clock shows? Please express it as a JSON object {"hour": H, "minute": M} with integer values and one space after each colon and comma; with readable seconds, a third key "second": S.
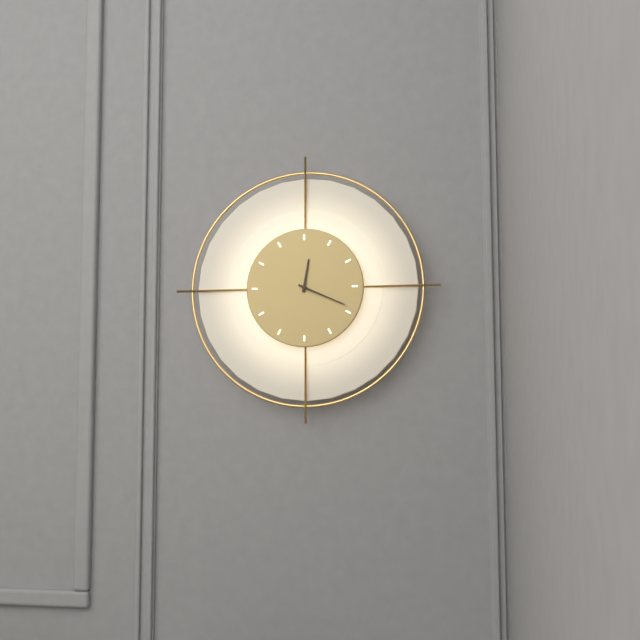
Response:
{"hour": 12, "minute": 19}
